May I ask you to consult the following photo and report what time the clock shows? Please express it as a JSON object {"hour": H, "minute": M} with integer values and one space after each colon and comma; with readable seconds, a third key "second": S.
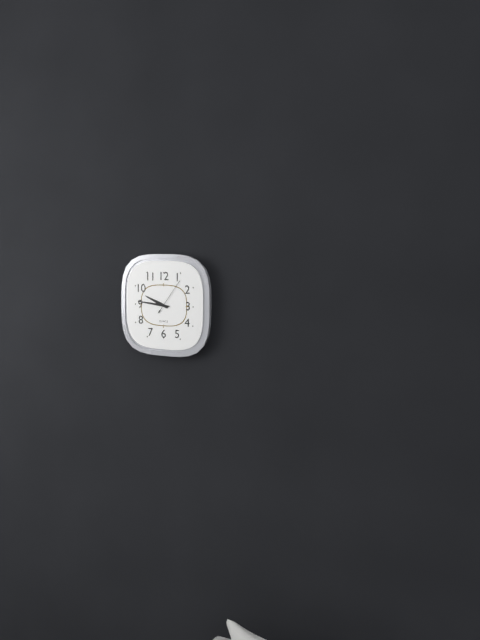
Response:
{"hour": 9, "minute": 46}
